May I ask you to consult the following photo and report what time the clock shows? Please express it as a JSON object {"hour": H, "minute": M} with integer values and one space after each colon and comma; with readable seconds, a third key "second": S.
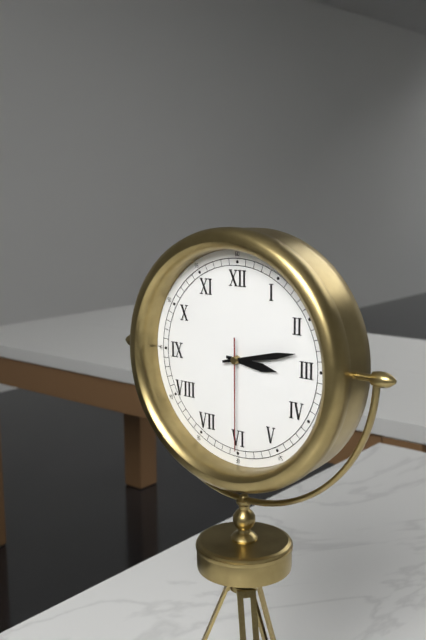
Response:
{"hour": 3, "minute": 13, "second": 30}
